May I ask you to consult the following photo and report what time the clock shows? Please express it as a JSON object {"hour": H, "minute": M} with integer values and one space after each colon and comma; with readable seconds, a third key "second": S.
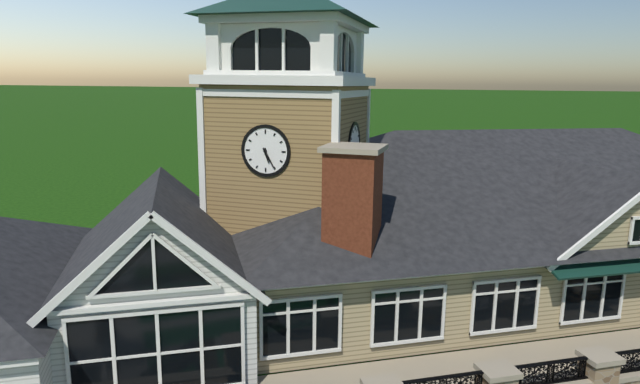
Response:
{"hour": 5, "minute": 25}
